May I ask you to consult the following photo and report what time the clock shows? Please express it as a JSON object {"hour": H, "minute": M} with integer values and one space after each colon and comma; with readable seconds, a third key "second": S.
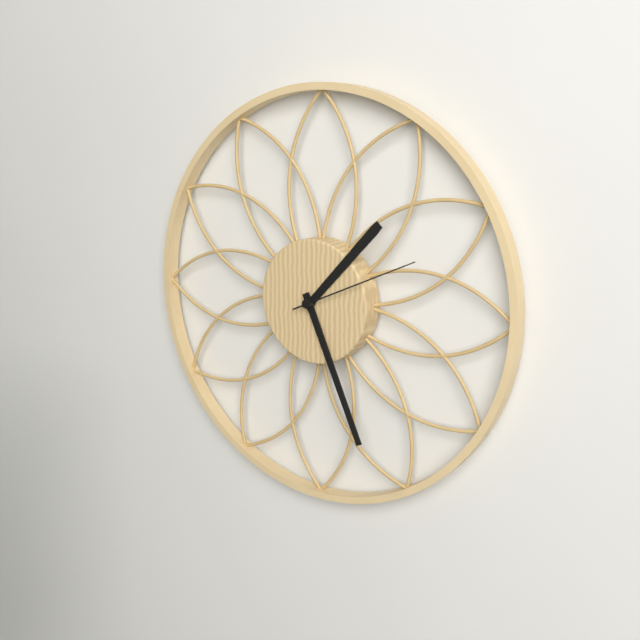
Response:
{"hour": 1, "minute": 26, "second": 11}
